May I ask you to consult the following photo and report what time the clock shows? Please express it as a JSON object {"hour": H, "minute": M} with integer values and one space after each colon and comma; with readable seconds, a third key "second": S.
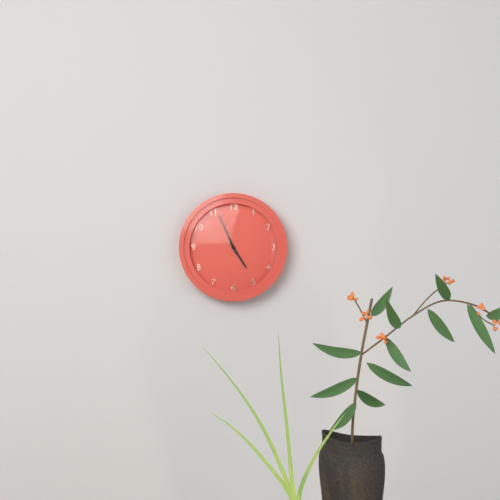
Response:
{"hour": 4, "minute": 56}
